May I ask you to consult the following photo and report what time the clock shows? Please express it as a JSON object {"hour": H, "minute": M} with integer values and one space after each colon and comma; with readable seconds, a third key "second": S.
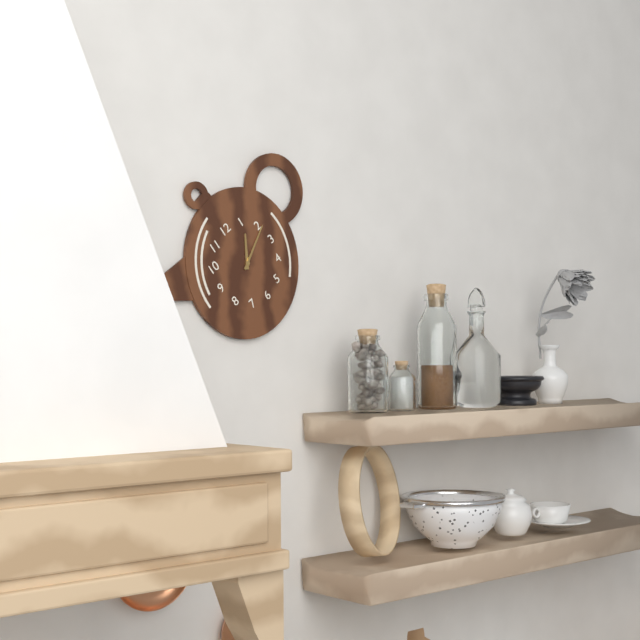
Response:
{"hour": 1, "minute": 11}
